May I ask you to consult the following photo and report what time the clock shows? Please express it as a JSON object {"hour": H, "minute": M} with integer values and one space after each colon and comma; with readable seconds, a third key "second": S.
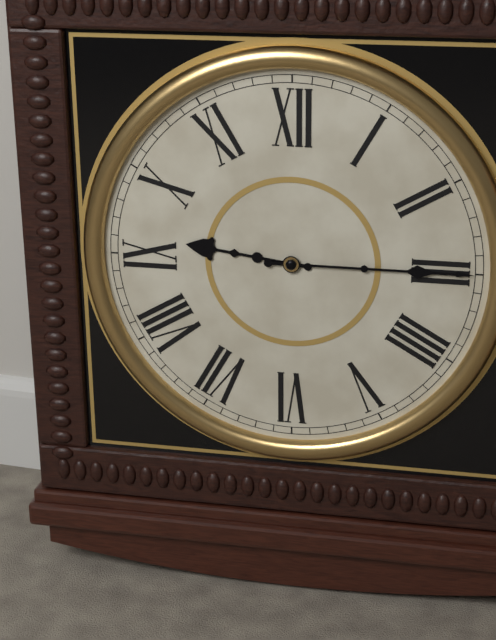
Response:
{"hour": 9, "minute": 15}
